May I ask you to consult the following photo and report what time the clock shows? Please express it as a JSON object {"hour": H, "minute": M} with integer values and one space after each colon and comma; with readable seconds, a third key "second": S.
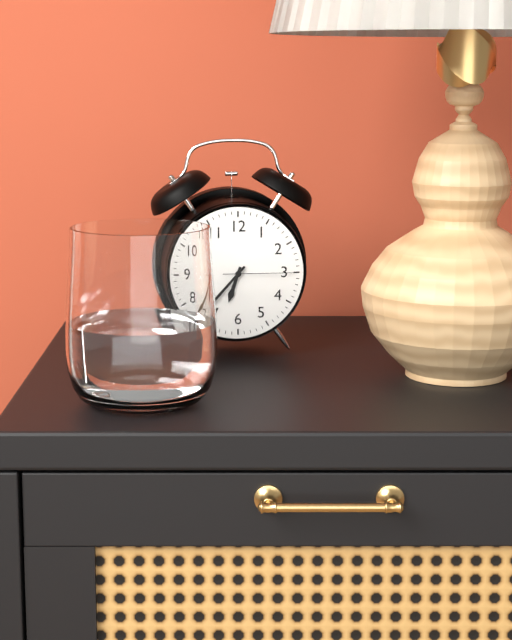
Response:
{"hour": 6, "minute": 37, "second": 15}
